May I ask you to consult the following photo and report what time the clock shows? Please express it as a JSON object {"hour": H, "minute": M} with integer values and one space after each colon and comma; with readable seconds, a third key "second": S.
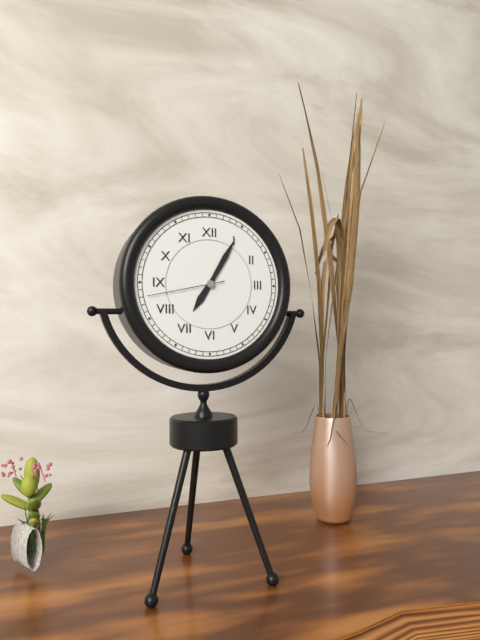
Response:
{"hour": 7, "minute": 5, "second": 43}
